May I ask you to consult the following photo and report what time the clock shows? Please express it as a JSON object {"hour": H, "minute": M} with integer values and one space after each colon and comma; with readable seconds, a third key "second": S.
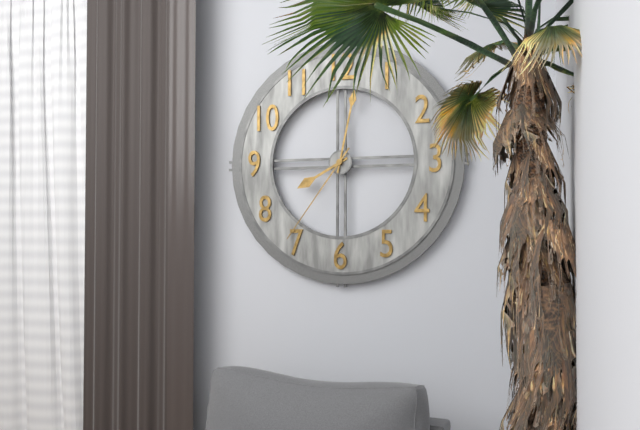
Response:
{"hour": 8, "minute": 2, "second": 36}
